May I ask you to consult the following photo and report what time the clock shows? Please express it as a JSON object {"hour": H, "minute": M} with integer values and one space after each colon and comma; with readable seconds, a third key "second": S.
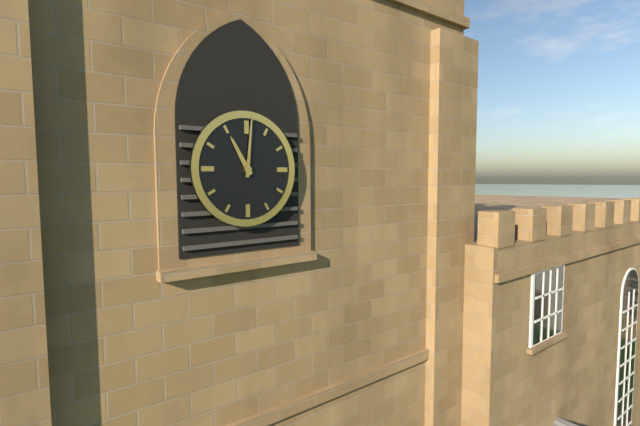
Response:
{"hour": 11, "minute": 1}
